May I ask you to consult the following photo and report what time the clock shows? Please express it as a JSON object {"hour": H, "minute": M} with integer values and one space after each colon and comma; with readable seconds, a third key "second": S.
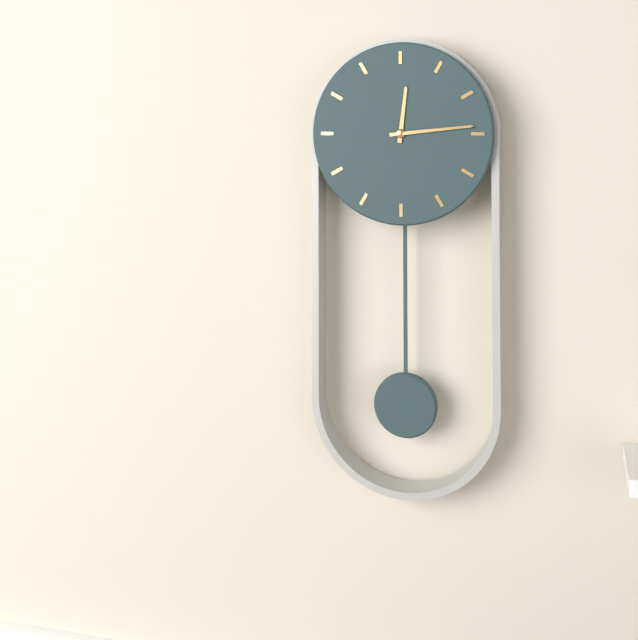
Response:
{"hour": 12, "minute": 14}
